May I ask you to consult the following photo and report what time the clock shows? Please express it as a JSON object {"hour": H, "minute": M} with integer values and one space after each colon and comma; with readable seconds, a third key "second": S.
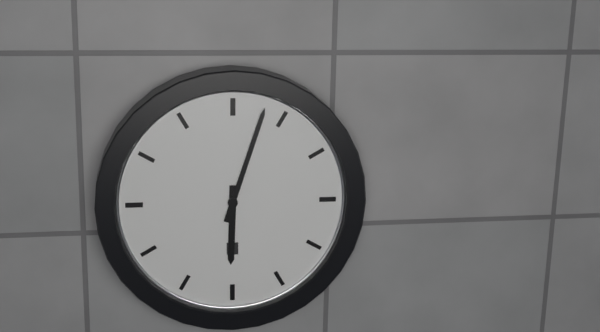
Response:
{"hour": 6, "minute": 3}
